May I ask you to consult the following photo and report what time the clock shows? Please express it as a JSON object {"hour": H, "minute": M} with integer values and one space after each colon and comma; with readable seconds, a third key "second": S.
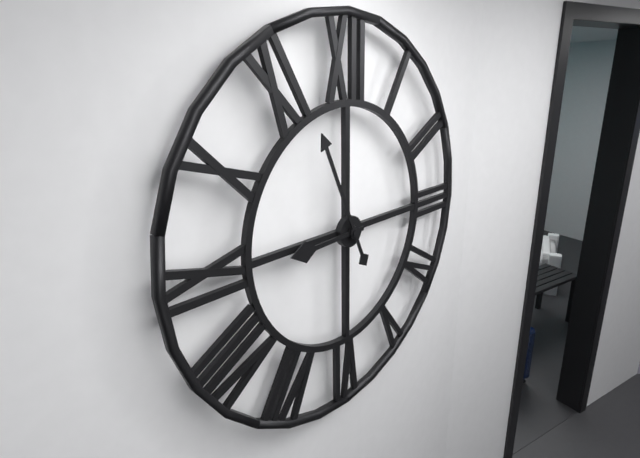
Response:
{"hour": 8, "minute": 56}
